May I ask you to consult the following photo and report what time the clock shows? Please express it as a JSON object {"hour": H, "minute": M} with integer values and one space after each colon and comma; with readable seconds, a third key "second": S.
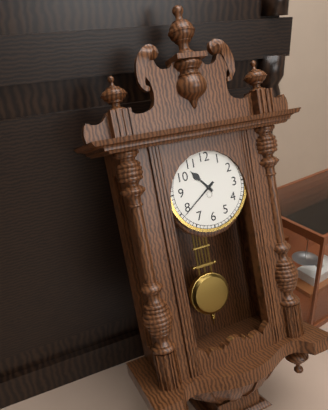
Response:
{"hour": 10, "minute": 39}
